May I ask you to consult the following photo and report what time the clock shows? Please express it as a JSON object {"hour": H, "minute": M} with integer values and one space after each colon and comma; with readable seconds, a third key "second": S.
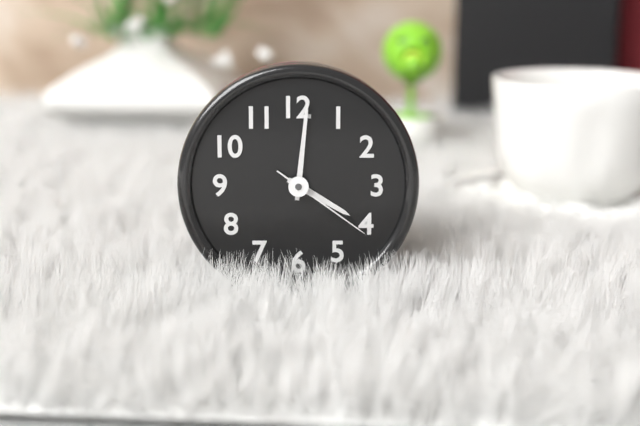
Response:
{"hour": 4, "minute": 1, "second": 21}
